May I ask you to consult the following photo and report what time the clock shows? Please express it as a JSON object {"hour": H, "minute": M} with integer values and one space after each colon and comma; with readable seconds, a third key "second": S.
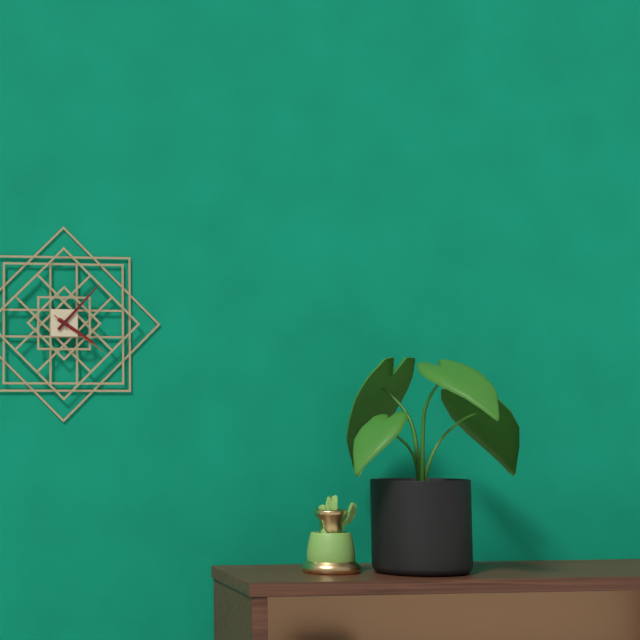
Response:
{"hour": 4, "minute": 7, "second": 21}
